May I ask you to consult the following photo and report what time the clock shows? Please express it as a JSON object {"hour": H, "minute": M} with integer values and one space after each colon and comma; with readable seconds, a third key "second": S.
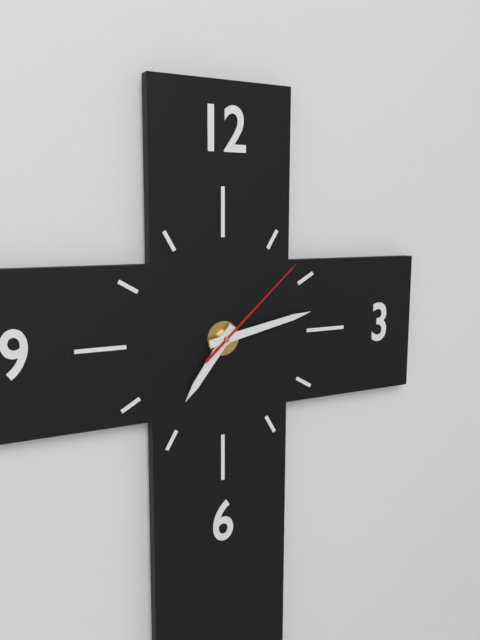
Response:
{"hour": 7, "minute": 13, "second": 8}
